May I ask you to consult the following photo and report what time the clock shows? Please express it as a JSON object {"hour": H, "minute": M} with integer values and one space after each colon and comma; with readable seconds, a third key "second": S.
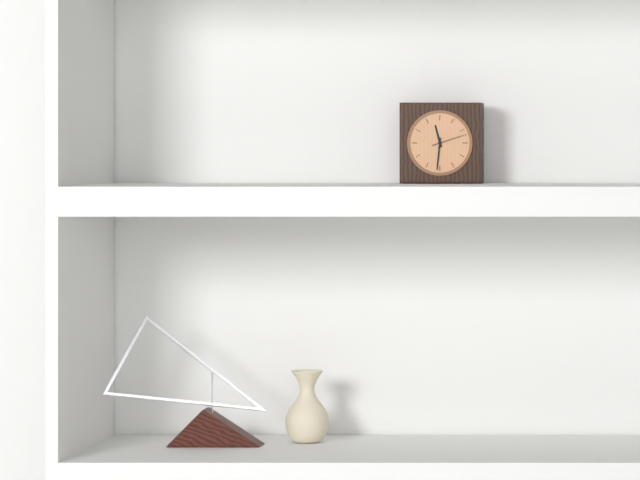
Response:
{"hour": 11, "minute": 31}
